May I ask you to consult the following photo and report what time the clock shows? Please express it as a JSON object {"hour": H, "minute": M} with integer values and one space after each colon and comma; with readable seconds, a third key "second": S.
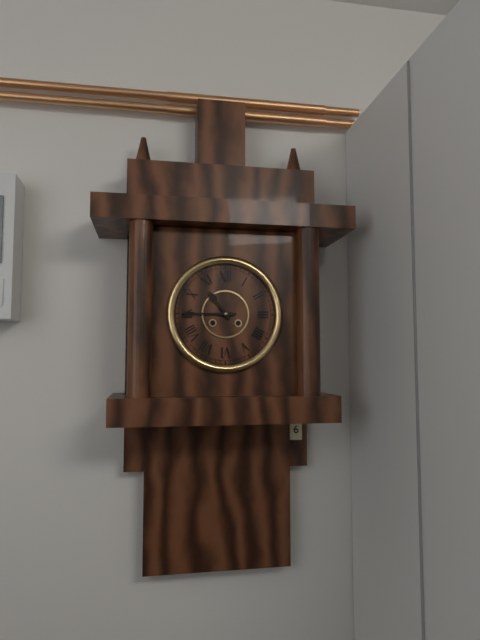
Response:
{"hour": 10, "minute": 45}
